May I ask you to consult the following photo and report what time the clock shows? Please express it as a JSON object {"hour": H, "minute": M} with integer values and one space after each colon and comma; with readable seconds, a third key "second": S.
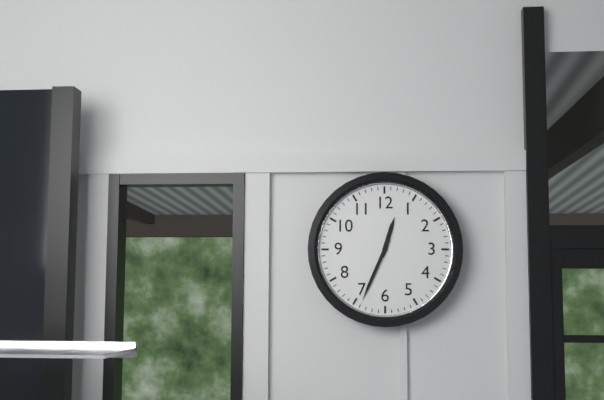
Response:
{"hour": 12, "minute": 34}
